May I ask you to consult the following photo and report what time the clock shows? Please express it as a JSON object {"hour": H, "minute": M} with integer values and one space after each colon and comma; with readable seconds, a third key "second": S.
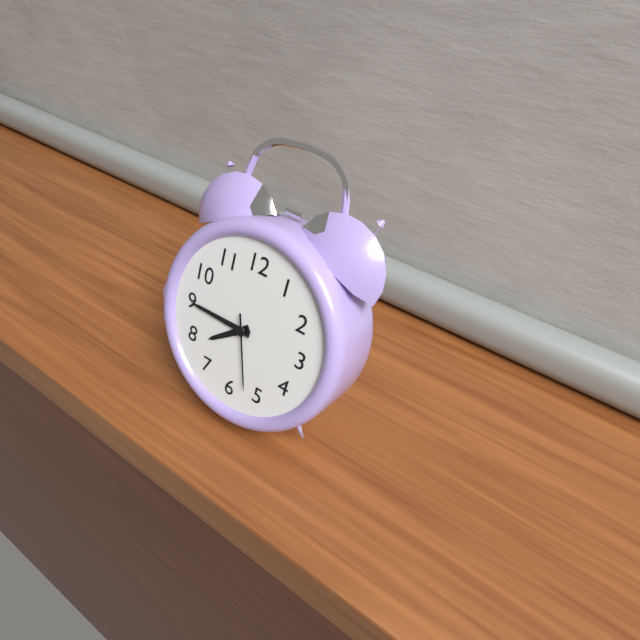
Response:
{"hour": 7, "minute": 45, "second": 27}
